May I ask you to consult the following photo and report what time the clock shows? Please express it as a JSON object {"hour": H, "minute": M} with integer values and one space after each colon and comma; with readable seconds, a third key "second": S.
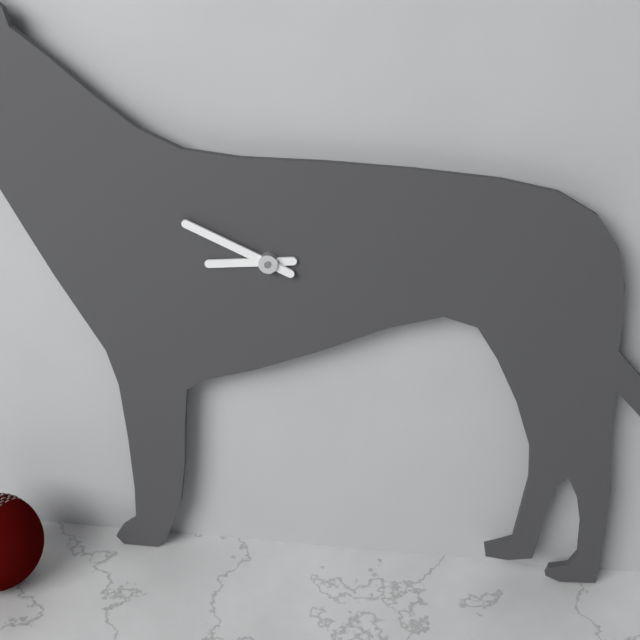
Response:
{"hour": 8, "minute": 49}
